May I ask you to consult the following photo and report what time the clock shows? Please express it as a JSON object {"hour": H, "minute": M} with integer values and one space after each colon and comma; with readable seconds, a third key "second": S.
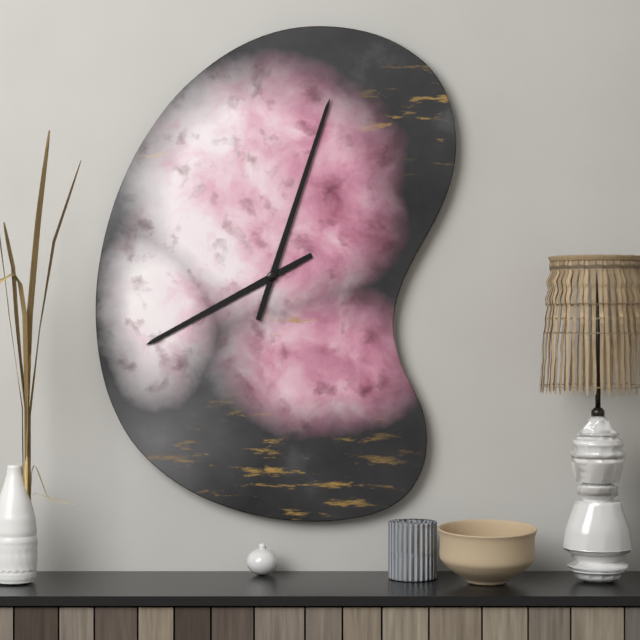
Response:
{"hour": 8, "minute": 3}
